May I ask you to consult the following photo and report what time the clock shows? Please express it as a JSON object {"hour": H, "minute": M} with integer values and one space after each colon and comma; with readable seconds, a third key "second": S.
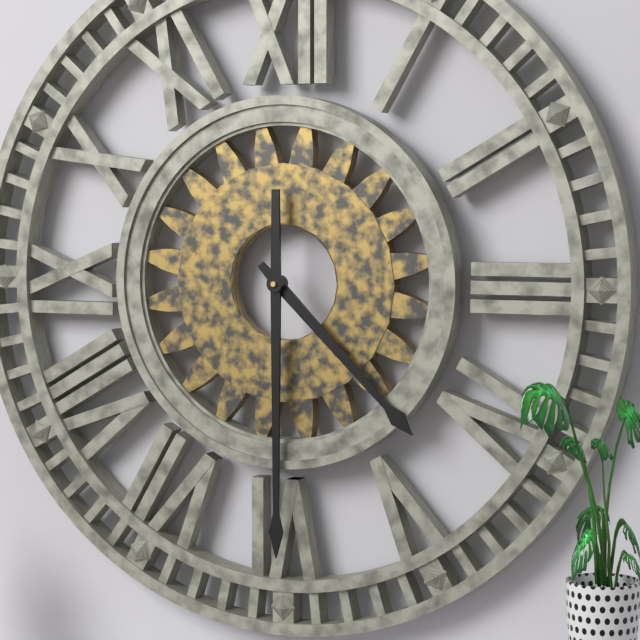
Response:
{"hour": 4, "minute": 30}
